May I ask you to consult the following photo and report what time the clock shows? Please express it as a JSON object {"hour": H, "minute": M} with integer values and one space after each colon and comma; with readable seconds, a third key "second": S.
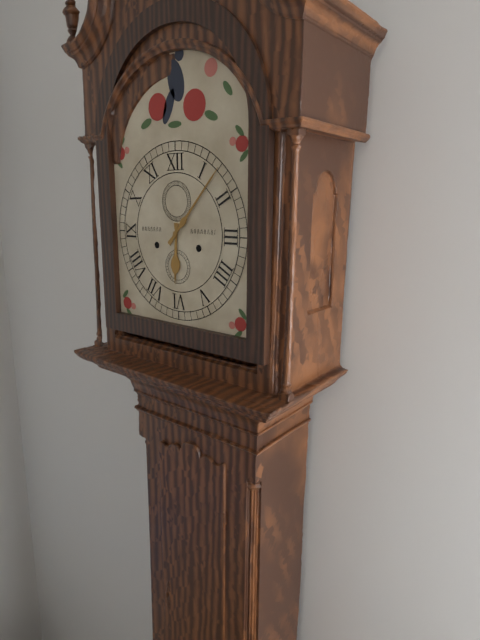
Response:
{"hour": 6, "minute": 7}
